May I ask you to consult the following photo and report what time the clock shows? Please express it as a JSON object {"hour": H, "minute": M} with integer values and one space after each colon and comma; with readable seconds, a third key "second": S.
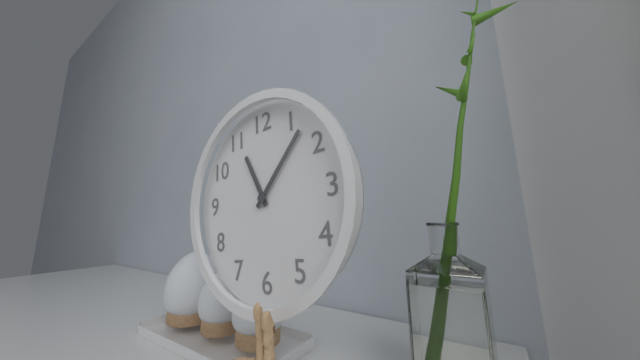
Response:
{"hour": 11, "minute": 7}
